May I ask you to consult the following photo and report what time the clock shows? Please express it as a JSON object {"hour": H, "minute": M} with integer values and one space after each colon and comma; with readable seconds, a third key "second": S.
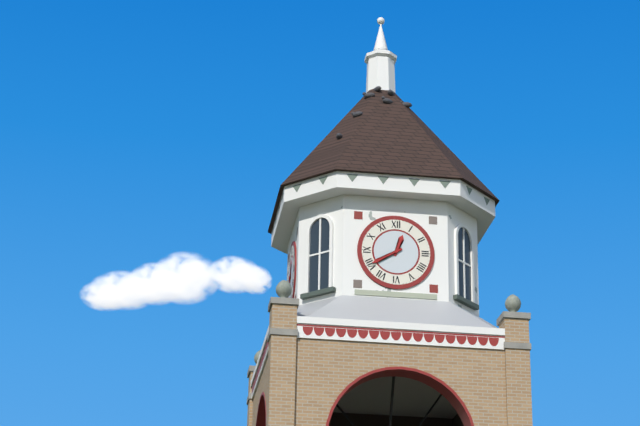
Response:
{"hour": 12, "minute": 40}
